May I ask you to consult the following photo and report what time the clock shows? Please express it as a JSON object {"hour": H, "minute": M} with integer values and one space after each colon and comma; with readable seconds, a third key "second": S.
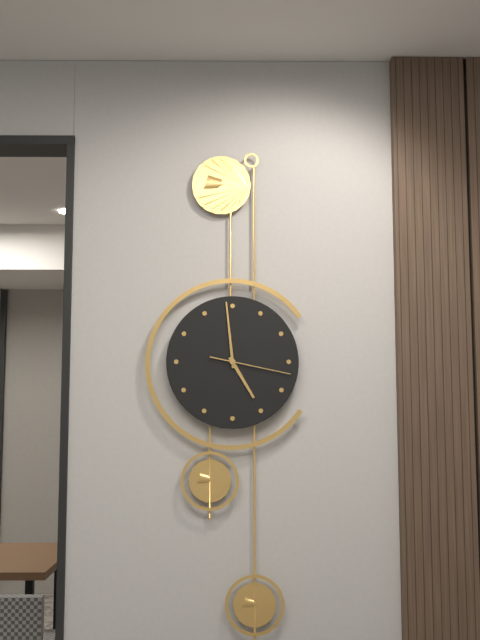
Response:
{"hour": 4, "minute": 59, "second": 17}
